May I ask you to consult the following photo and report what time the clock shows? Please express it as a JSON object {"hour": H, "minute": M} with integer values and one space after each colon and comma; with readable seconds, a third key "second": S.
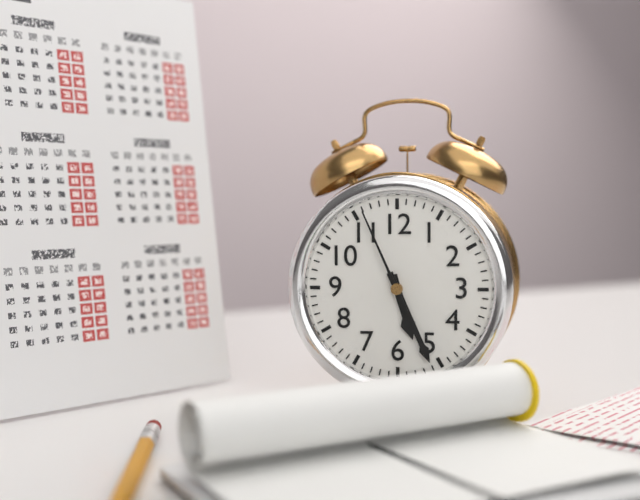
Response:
{"hour": 5, "minute": 26, "second": 56}
